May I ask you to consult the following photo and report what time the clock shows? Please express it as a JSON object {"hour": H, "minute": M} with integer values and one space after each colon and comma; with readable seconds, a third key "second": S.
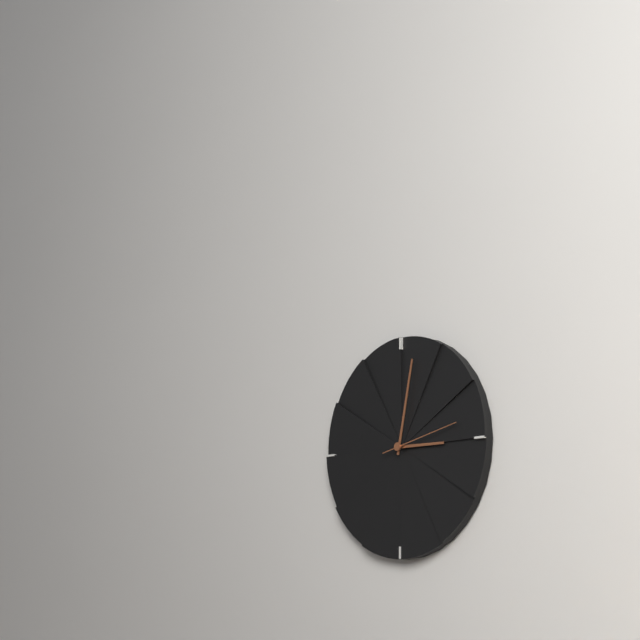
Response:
{"hour": 3, "minute": 2, "second": 13}
